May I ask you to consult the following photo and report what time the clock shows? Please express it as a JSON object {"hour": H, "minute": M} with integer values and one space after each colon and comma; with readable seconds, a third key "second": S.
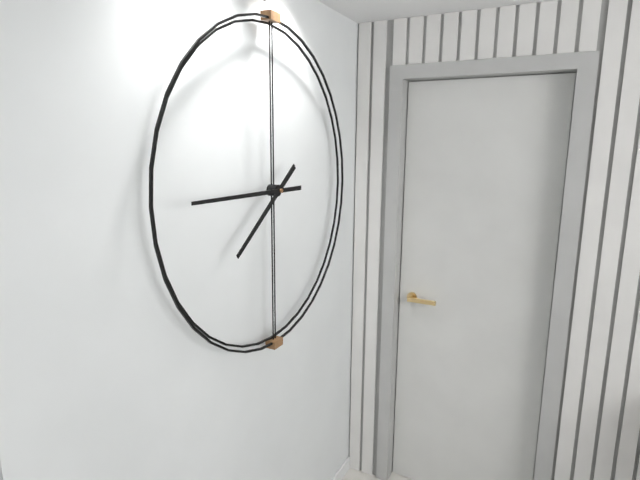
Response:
{"hour": 7, "minute": 45}
